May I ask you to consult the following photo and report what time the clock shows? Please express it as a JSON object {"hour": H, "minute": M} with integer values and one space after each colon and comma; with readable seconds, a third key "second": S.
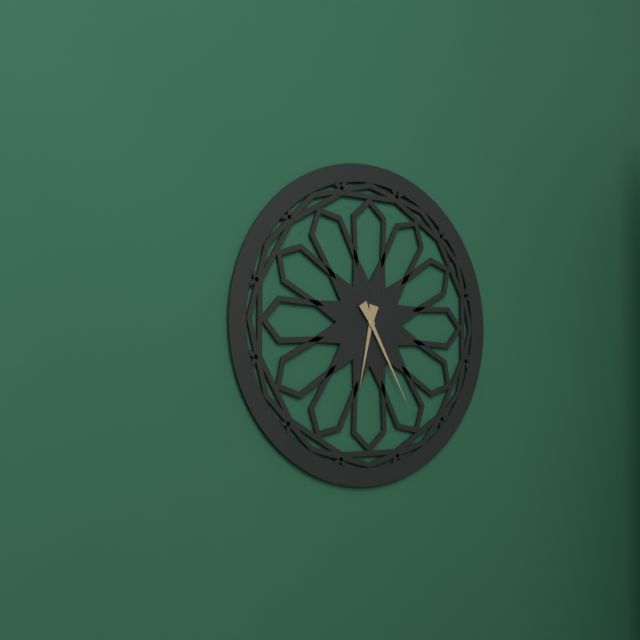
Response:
{"hour": 6, "minute": 25}
